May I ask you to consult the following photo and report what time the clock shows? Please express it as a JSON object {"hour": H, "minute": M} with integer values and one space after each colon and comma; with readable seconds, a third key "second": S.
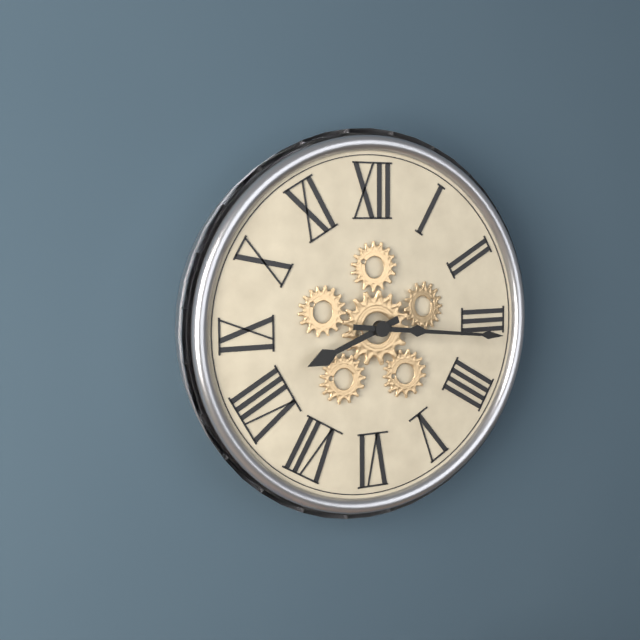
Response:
{"hour": 8, "minute": 16}
